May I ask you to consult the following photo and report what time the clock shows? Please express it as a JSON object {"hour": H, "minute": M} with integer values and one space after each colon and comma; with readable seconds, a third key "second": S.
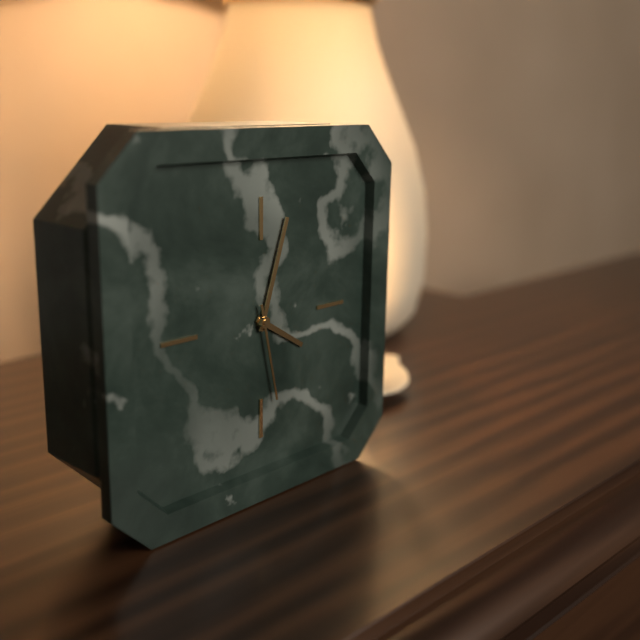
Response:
{"hour": 4, "minute": 3, "second": 28}
